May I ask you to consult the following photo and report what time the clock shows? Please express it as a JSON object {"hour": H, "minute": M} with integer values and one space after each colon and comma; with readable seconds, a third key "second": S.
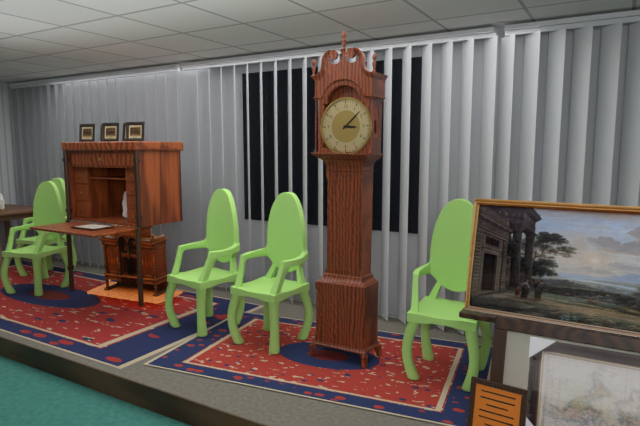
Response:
{"hour": 3, "minute": 8}
